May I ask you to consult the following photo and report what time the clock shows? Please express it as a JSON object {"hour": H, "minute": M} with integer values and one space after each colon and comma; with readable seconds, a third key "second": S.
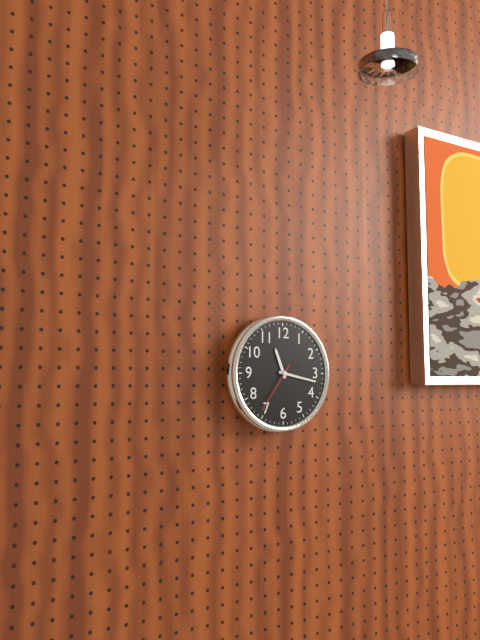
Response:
{"hour": 11, "minute": 17, "second": 36}
